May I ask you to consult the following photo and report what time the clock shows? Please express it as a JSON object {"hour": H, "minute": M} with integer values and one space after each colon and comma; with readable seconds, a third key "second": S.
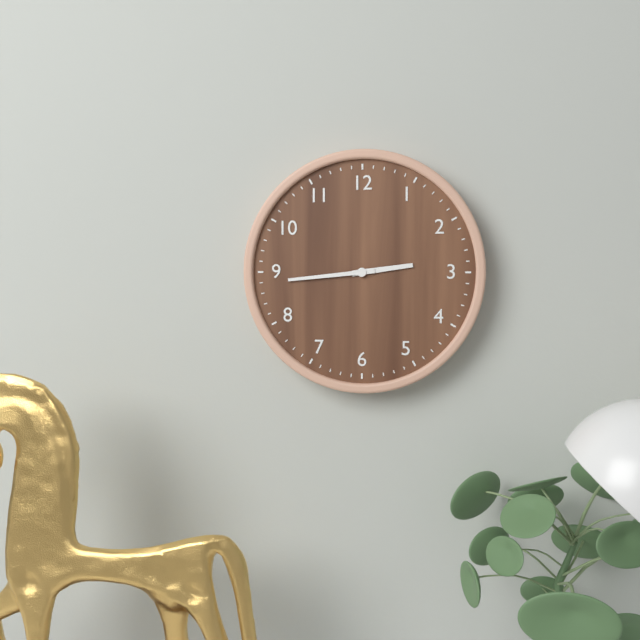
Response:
{"hour": 2, "minute": 44}
